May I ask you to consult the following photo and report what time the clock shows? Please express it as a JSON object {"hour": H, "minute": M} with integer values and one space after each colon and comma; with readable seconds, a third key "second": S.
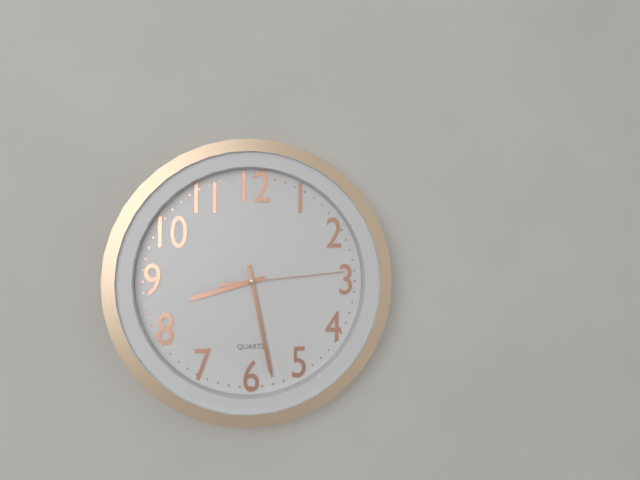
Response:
{"hour": 8, "minute": 28, "second": 14}
